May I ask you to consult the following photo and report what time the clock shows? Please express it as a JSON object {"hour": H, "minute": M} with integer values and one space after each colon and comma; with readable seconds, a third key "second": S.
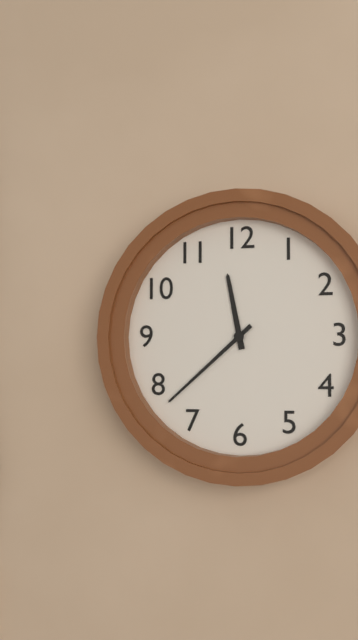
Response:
{"hour": 11, "minute": 38}
